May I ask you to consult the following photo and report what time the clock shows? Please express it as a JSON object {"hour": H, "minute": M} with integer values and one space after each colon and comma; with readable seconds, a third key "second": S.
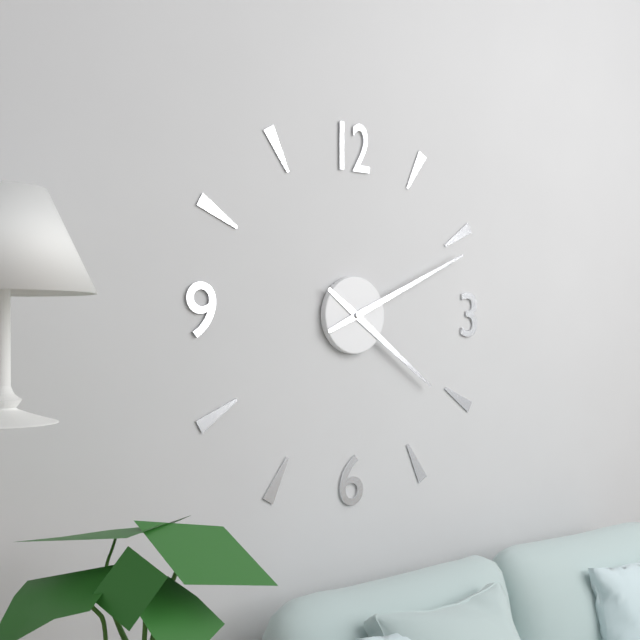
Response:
{"hour": 4, "minute": 11}
